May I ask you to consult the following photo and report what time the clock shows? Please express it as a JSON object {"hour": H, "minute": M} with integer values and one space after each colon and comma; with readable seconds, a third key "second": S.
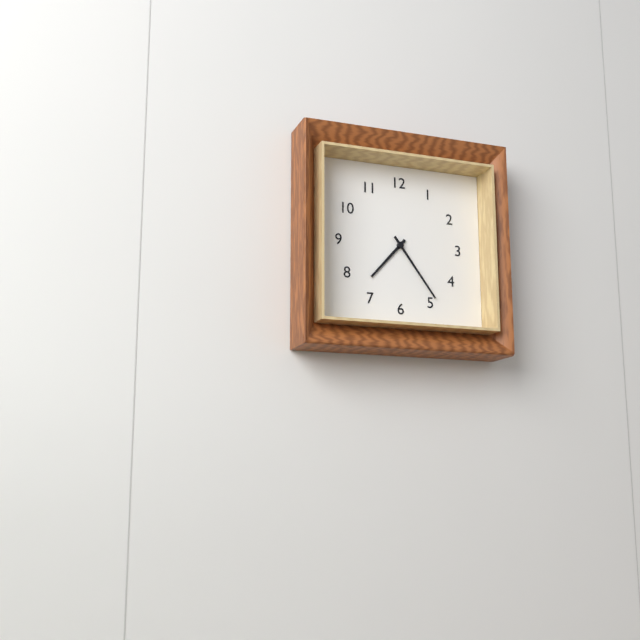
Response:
{"hour": 7, "minute": 24}
